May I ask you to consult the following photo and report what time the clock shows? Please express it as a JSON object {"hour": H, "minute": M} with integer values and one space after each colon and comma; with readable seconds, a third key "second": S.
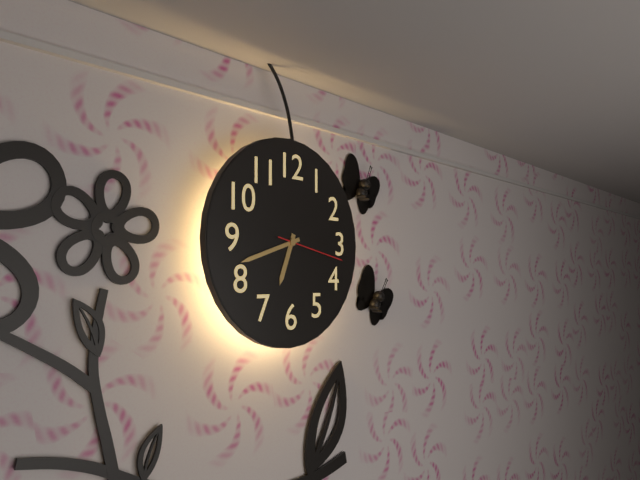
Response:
{"hour": 6, "minute": 42, "second": 17}
